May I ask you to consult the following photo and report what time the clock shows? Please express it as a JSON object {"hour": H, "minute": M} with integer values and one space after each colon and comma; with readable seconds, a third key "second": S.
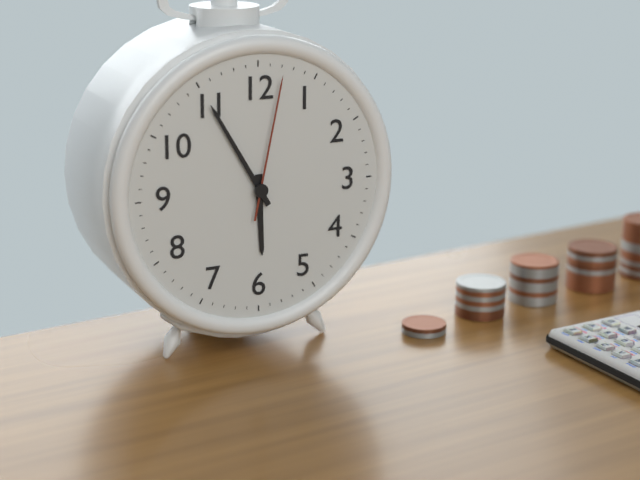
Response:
{"hour": 5, "minute": 55, "second": 2}
